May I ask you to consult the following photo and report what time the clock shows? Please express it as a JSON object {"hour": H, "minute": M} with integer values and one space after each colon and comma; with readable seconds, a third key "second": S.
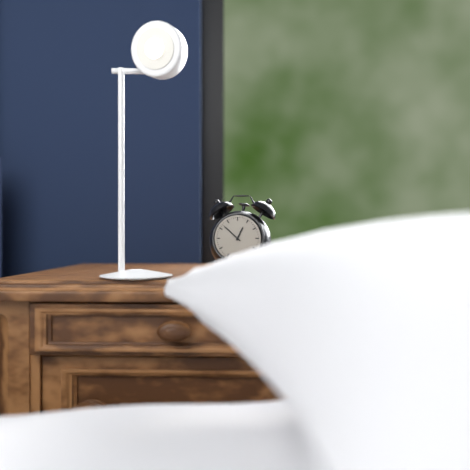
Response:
{"hour": 12, "minute": 52}
